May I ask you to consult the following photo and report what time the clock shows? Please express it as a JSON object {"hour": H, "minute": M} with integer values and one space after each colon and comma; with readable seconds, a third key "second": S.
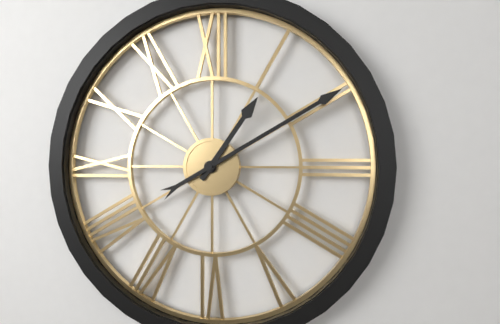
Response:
{"hour": 1, "minute": 10}
